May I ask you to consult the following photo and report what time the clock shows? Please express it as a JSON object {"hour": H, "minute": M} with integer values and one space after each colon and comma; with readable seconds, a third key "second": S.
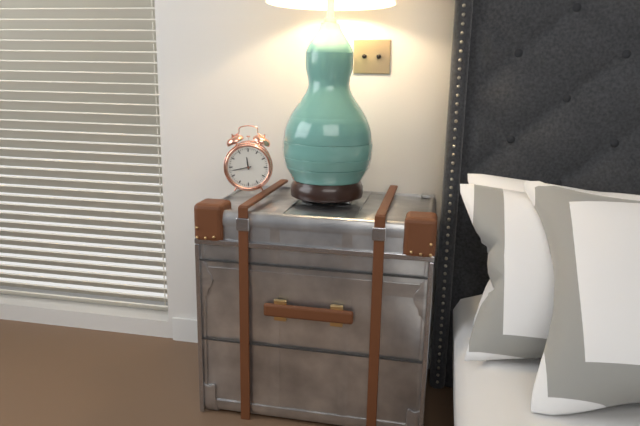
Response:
{"hour": 11, "minute": 43}
